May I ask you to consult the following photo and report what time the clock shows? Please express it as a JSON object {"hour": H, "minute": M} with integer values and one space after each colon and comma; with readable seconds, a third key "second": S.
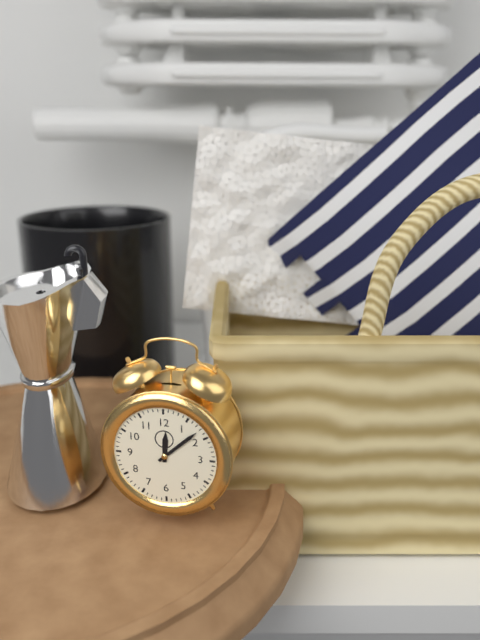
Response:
{"hour": 12, "minute": 8}
